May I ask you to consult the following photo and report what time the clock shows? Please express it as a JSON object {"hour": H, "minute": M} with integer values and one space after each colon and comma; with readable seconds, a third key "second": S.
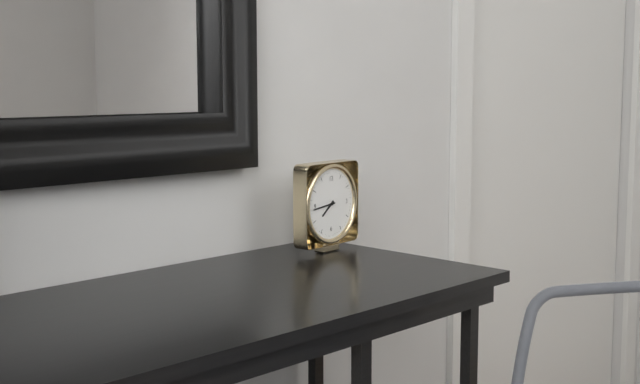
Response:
{"hour": 7, "minute": 44}
